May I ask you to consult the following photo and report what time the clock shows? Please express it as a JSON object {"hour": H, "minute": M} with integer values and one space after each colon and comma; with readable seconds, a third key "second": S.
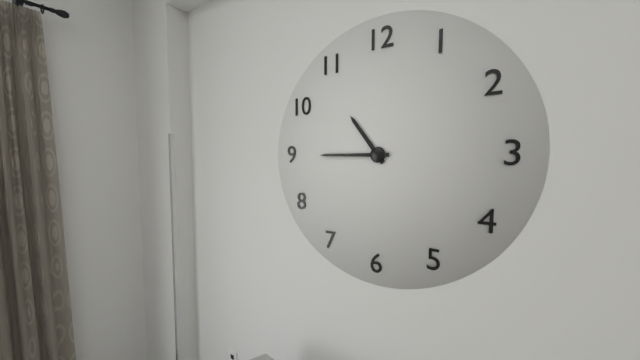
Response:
{"hour": 10, "minute": 45}
